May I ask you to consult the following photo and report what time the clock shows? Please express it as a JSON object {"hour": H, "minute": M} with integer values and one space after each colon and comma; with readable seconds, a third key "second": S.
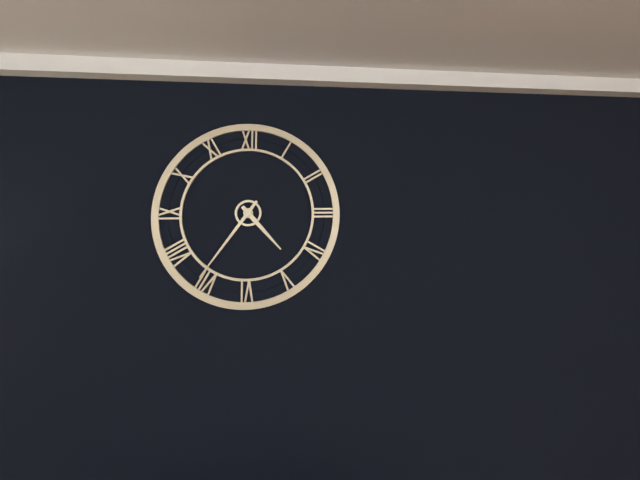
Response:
{"hour": 4, "minute": 36}
